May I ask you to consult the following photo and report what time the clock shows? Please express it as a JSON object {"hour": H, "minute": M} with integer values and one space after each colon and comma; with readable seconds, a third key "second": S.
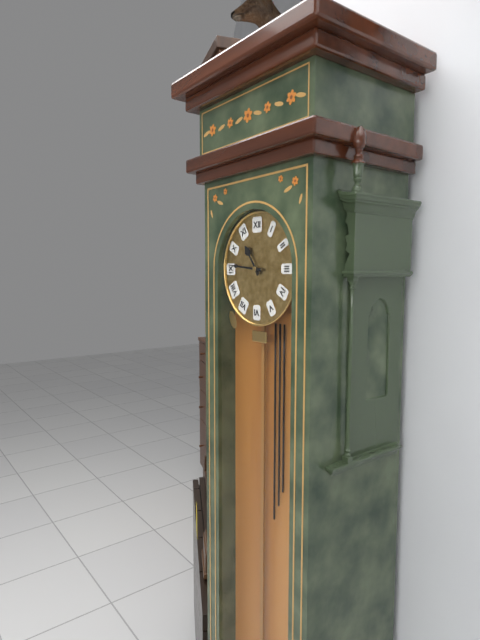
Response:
{"hour": 10, "minute": 46}
